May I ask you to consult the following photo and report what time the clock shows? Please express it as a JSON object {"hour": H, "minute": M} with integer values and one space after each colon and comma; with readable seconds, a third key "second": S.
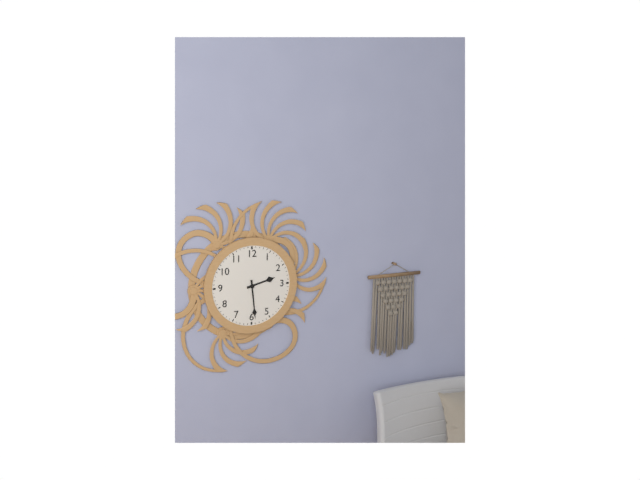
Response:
{"hour": 2, "minute": 29}
